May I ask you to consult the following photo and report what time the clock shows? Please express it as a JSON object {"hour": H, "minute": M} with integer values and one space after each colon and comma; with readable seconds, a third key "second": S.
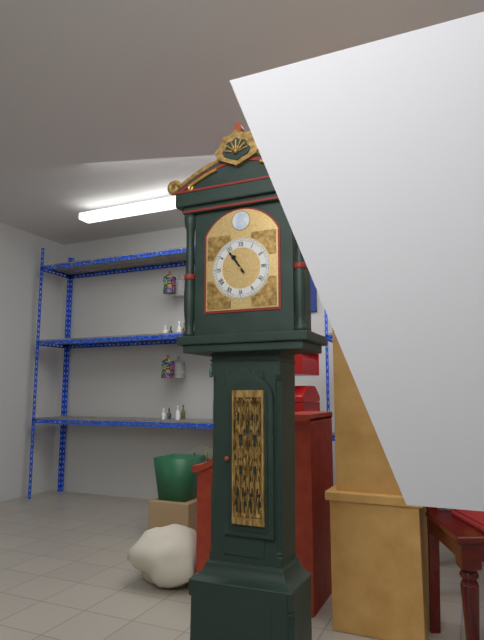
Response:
{"hour": 10, "minute": 54}
